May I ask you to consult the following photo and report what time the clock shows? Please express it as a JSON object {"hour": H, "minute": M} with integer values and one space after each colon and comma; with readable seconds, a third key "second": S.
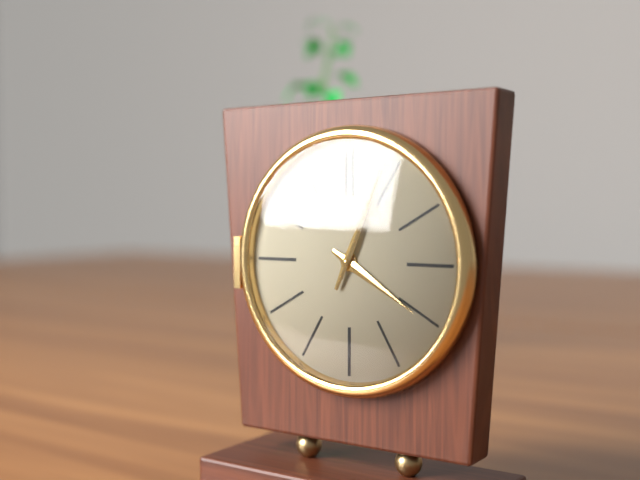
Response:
{"hour": 4, "minute": 4}
